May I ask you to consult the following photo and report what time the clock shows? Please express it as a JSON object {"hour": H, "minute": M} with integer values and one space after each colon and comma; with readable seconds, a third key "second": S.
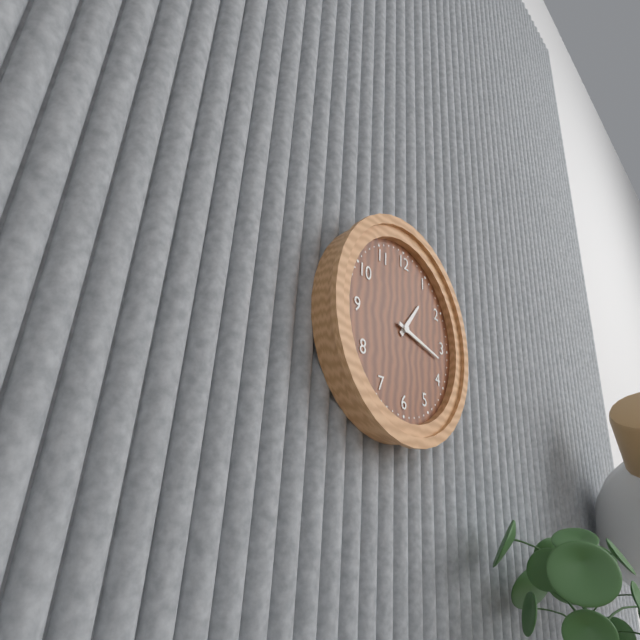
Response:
{"hour": 1, "minute": 17}
